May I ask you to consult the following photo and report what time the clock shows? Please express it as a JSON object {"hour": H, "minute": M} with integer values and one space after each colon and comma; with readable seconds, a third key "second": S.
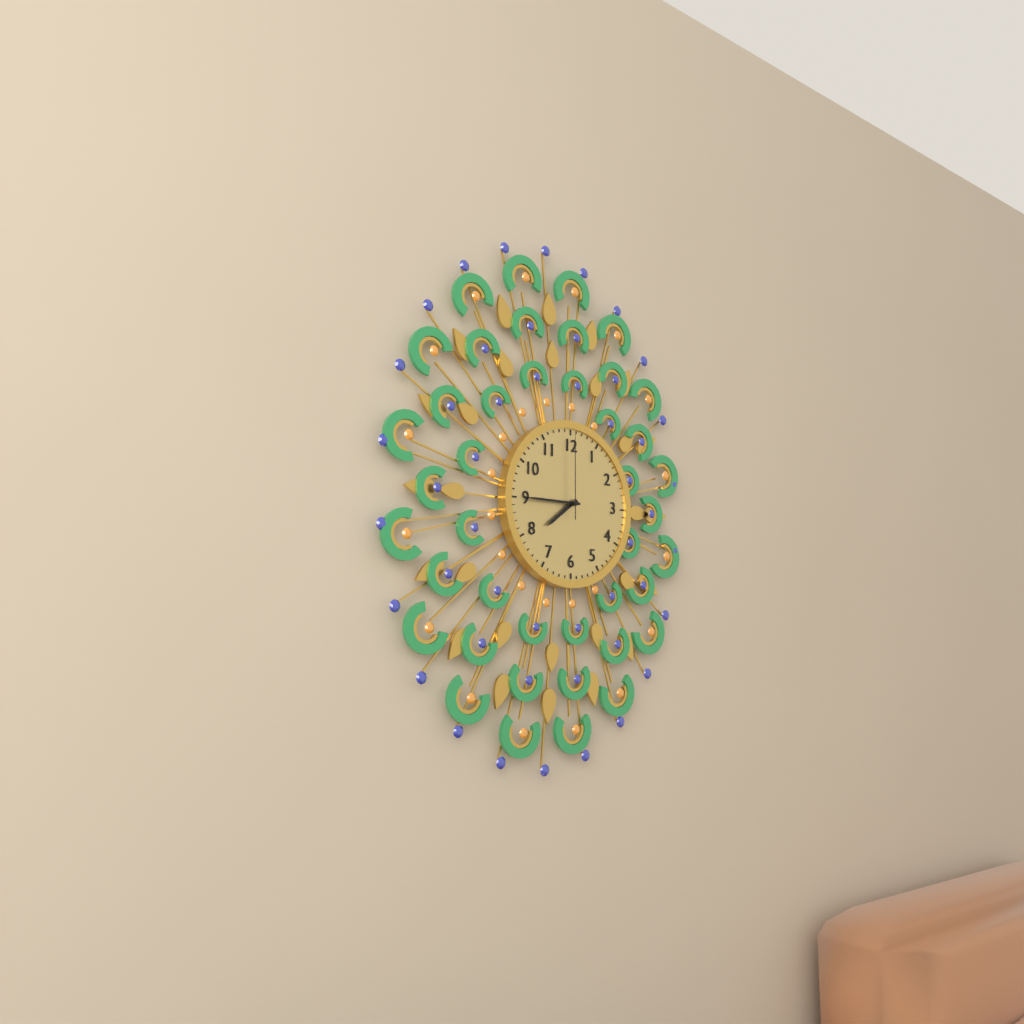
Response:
{"hour": 7, "minute": 45, "second": 0}
